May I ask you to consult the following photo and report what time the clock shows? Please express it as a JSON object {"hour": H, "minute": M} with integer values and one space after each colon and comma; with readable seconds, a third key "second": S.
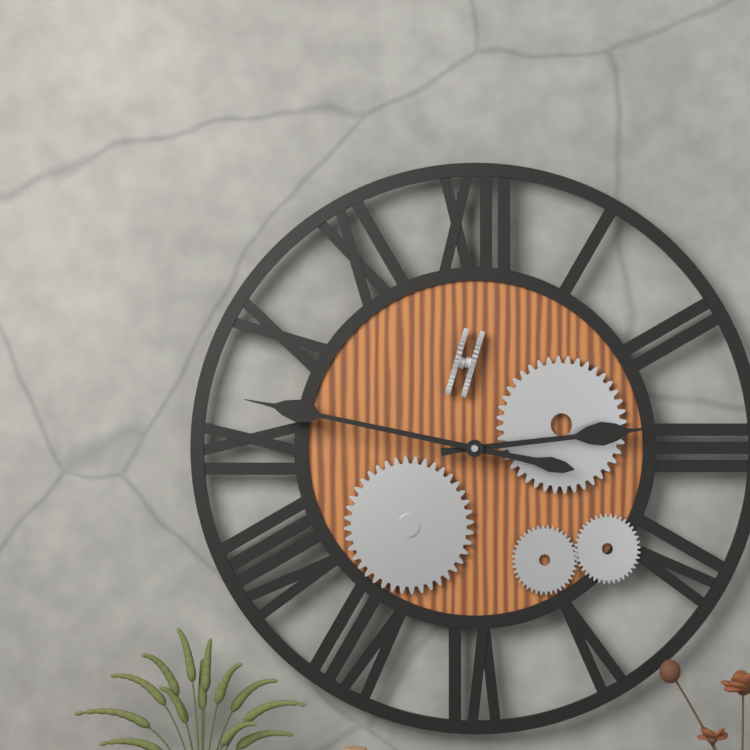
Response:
{"hour": 2, "minute": 47}
